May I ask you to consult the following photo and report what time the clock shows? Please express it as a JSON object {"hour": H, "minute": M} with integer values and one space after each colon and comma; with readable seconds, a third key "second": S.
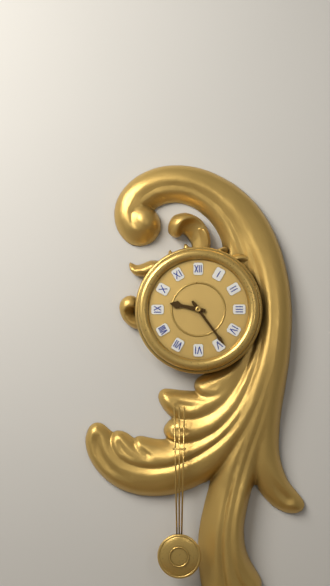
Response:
{"hour": 9, "minute": 24}
